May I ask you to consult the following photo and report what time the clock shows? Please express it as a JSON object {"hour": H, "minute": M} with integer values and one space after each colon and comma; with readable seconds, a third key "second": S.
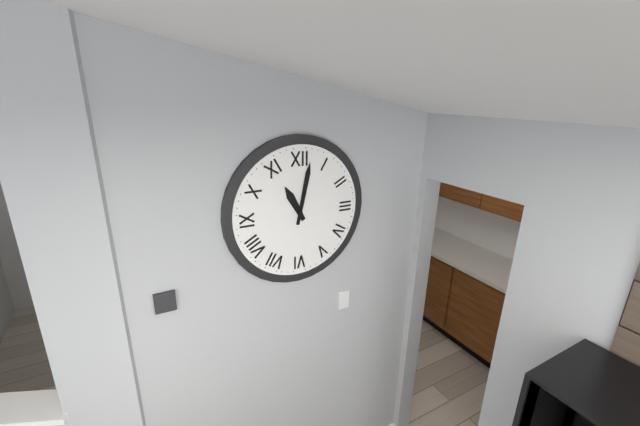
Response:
{"hour": 11, "minute": 2}
